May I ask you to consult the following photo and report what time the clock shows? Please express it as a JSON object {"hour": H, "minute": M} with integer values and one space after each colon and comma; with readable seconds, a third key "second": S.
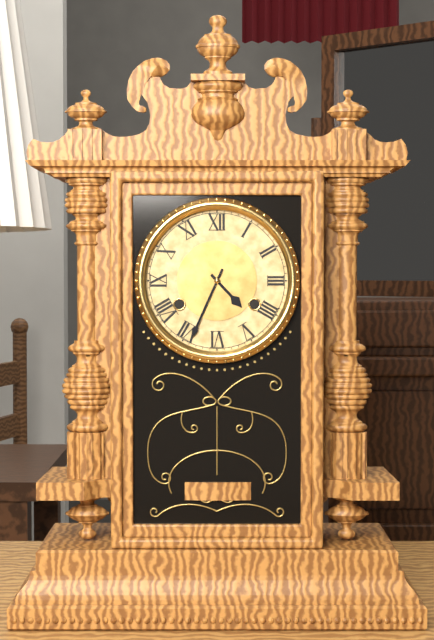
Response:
{"hour": 4, "minute": 34}
